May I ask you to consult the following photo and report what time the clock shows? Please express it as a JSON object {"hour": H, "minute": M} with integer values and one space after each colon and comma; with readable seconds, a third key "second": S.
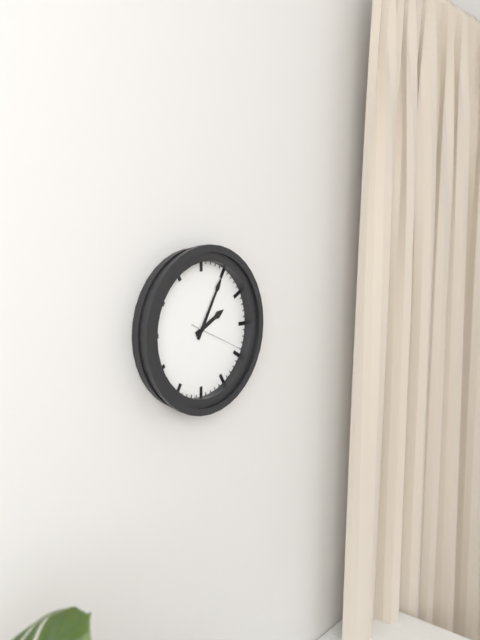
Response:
{"hour": 2, "minute": 5, "second": 19}
